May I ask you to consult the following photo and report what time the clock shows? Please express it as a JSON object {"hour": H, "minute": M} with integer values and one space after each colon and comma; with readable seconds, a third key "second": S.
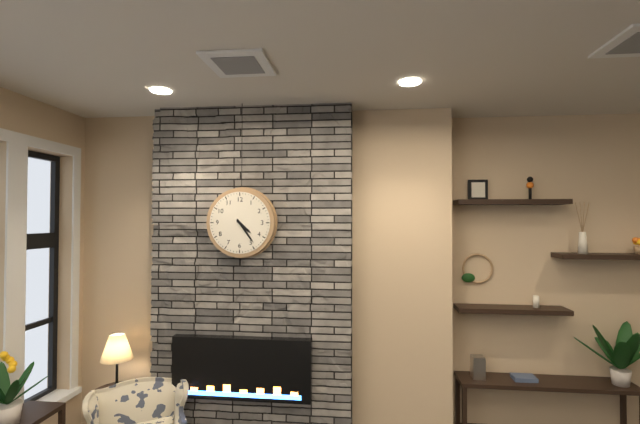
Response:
{"hour": 4, "minute": 24}
